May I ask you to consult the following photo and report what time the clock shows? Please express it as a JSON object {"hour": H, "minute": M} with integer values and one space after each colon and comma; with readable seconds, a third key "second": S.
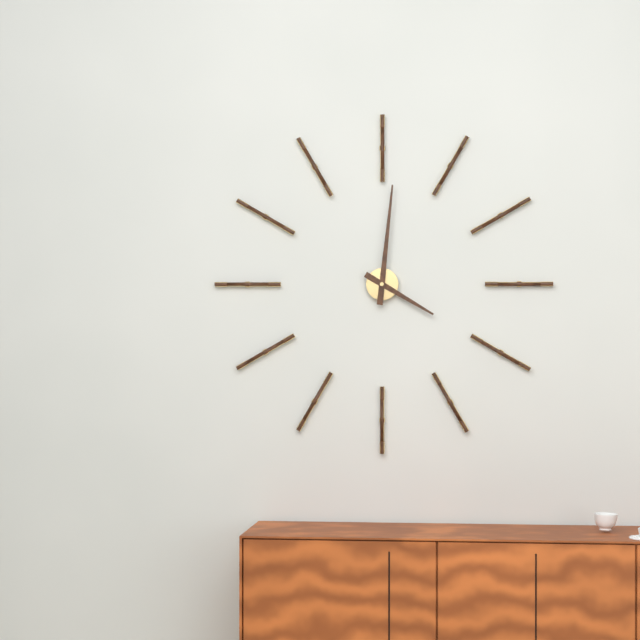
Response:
{"hour": 4, "minute": 1}
